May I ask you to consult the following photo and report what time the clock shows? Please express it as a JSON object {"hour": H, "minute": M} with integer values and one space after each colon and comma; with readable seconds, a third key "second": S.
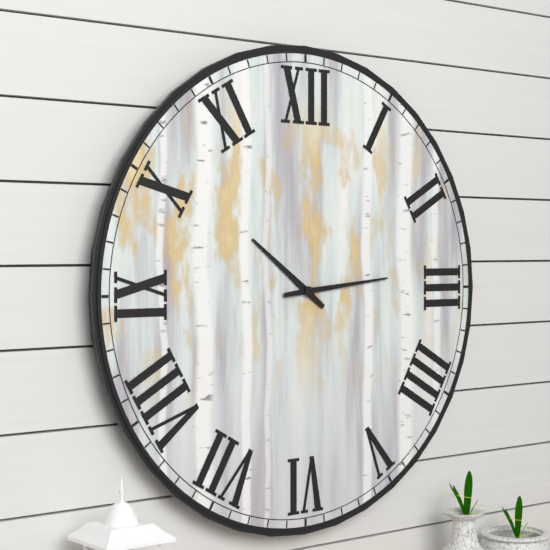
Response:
{"hour": 10, "minute": 14}
